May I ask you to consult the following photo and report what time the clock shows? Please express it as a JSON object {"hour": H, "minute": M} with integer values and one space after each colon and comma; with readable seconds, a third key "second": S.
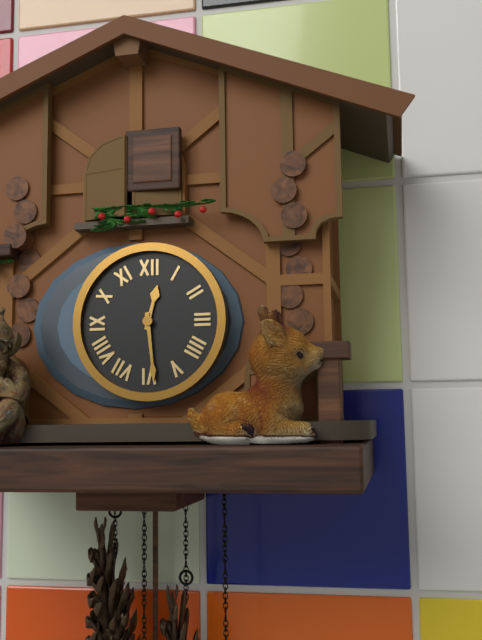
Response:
{"hour": 12, "minute": 29}
